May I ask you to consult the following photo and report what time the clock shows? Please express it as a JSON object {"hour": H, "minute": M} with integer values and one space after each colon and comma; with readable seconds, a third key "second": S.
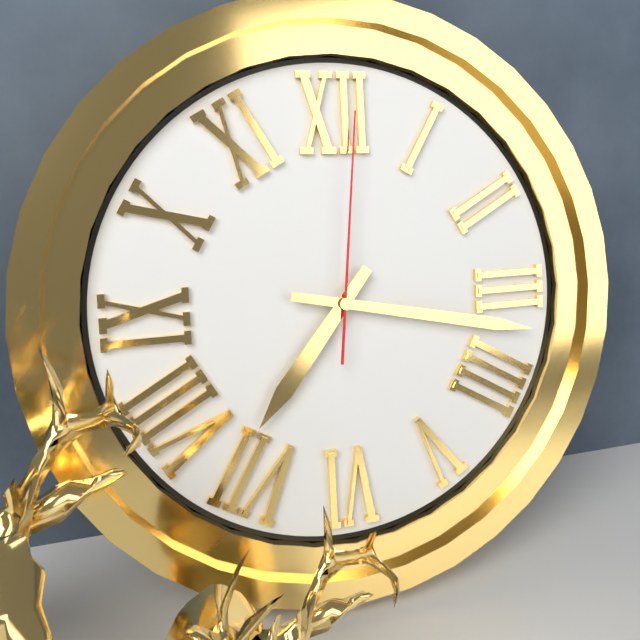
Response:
{"hour": 7, "minute": 17, "second": 1}
